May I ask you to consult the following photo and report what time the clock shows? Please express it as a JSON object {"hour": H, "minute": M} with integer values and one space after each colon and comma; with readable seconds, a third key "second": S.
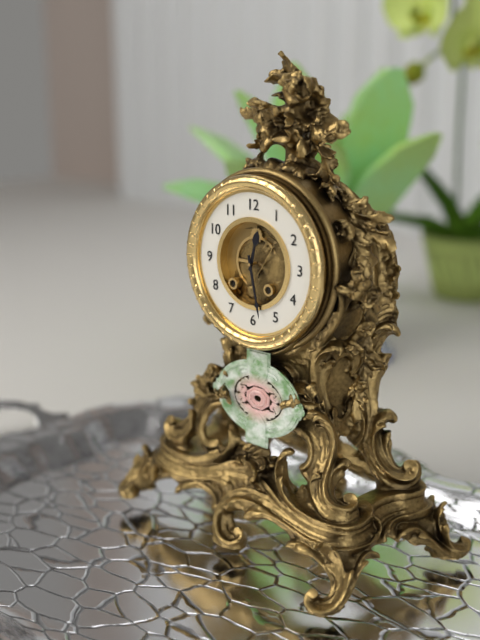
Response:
{"hour": 12, "minute": 28}
